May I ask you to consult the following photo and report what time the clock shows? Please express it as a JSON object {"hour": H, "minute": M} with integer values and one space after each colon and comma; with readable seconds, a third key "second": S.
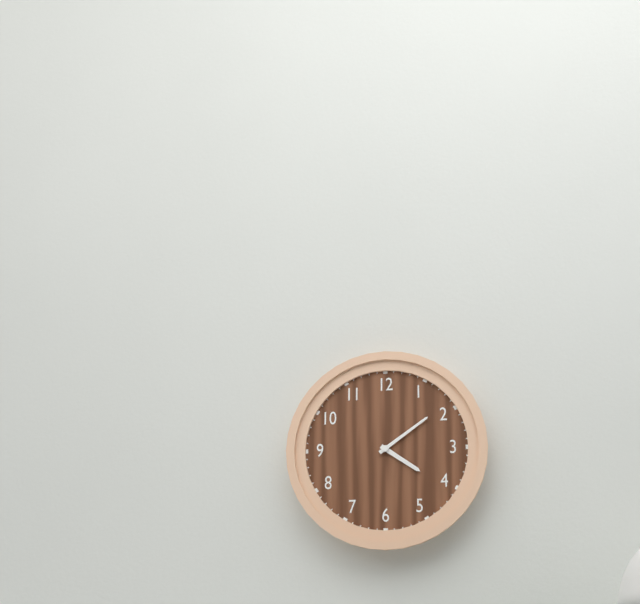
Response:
{"hour": 4, "minute": 9}
